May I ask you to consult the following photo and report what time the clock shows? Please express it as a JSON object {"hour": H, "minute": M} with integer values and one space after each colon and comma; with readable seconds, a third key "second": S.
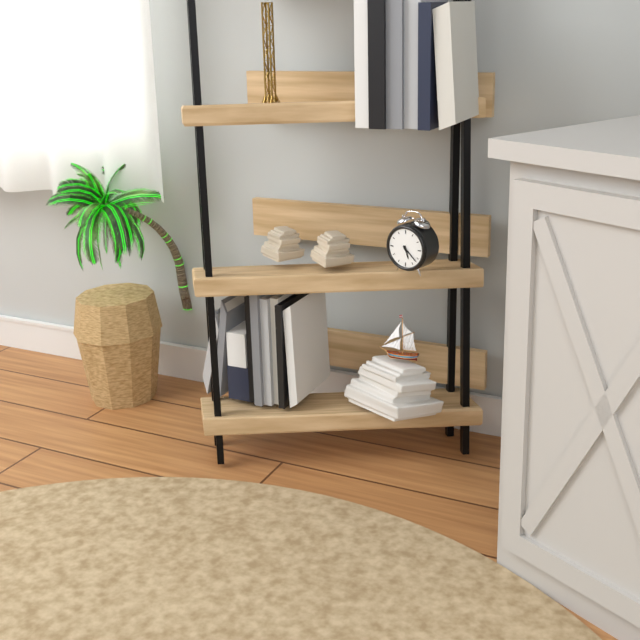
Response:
{"hour": 5, "minute": 22}
